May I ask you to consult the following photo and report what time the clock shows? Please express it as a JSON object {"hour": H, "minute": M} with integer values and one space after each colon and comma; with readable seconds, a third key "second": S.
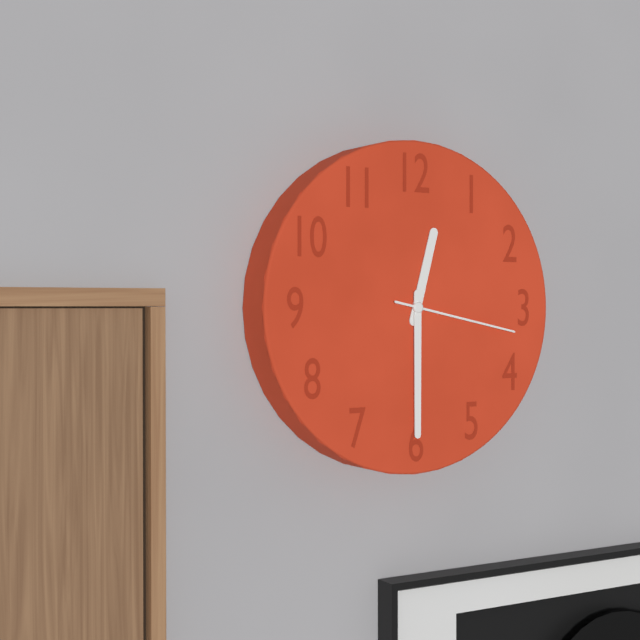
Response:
{"hour": 12, "minute": 30, "second": 17}
